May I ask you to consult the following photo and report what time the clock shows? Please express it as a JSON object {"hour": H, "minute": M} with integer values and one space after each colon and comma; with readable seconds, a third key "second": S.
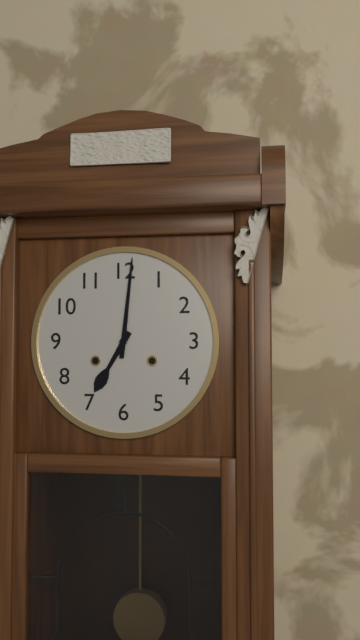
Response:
{"hour": 7, "minute": 1}
